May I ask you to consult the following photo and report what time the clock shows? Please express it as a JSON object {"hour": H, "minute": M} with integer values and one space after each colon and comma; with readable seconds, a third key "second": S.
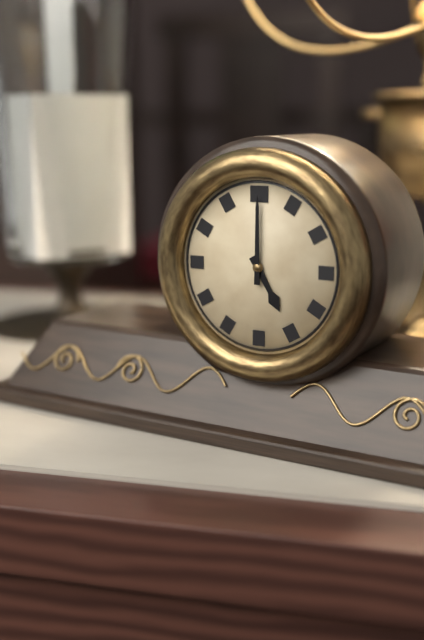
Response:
{"hour": 5, "minute": 0}
